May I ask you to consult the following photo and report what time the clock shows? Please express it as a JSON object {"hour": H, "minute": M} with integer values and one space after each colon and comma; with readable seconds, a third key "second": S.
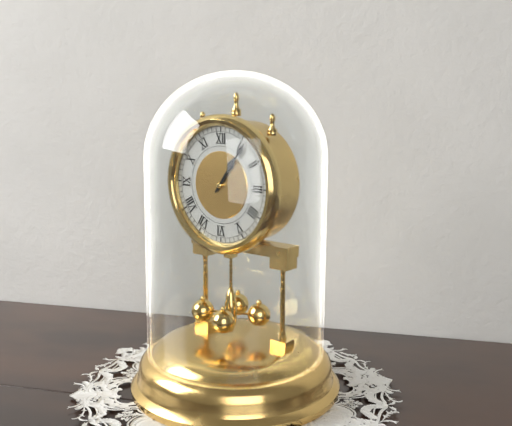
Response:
{"hour": 1, "minute": 6}
